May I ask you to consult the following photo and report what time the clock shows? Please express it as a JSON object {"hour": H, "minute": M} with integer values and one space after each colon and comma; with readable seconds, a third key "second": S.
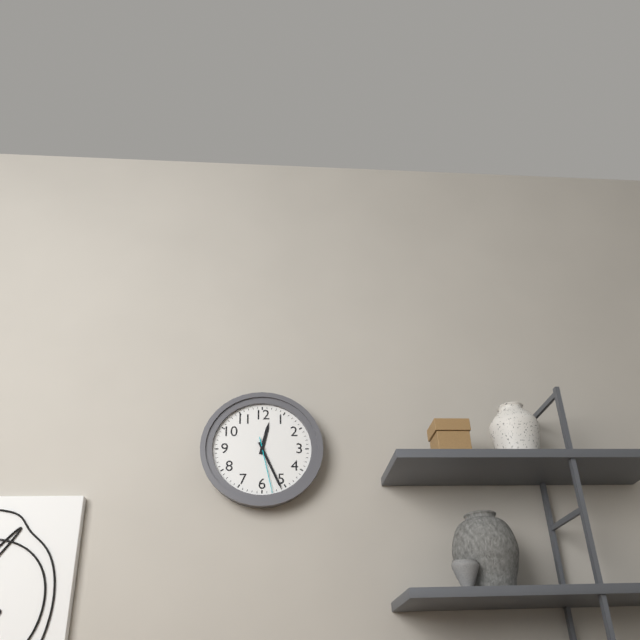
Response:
{"hour": 12, "minute": 26, "second": 28}
